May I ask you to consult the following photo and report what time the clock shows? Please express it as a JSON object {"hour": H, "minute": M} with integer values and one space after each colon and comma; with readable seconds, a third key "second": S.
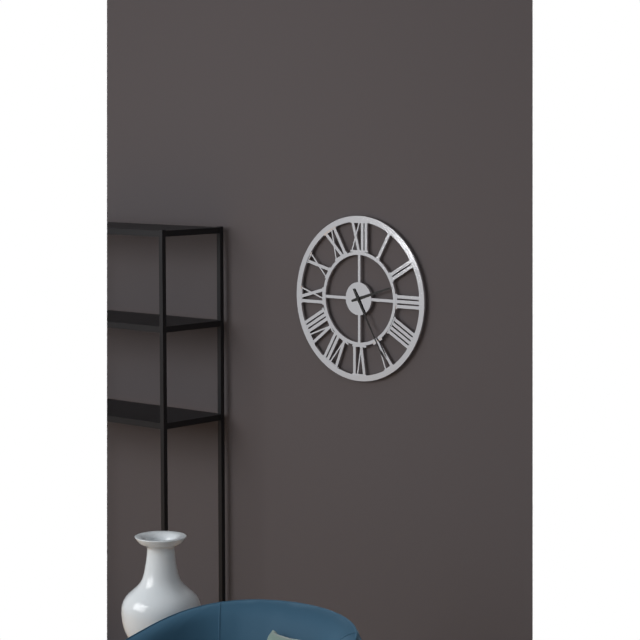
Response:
{"hour": 2, "minute": 25}
